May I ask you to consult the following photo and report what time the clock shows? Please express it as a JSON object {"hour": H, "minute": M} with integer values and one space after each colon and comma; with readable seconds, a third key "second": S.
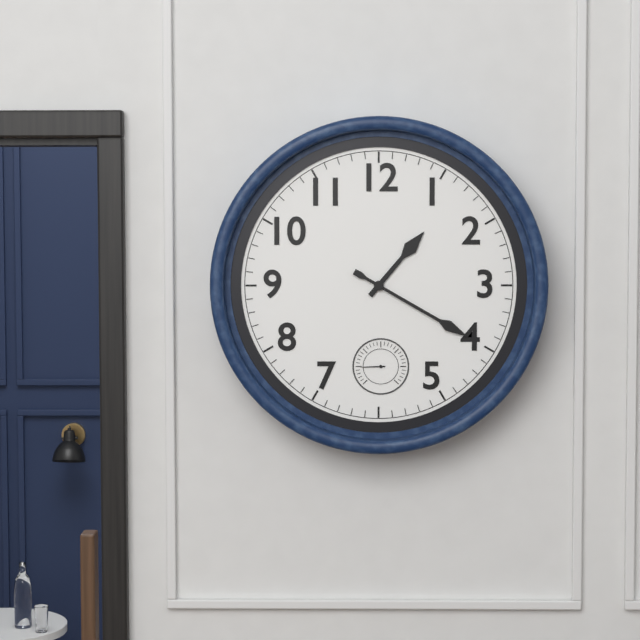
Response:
{"hour": 1, "minute": 20}
